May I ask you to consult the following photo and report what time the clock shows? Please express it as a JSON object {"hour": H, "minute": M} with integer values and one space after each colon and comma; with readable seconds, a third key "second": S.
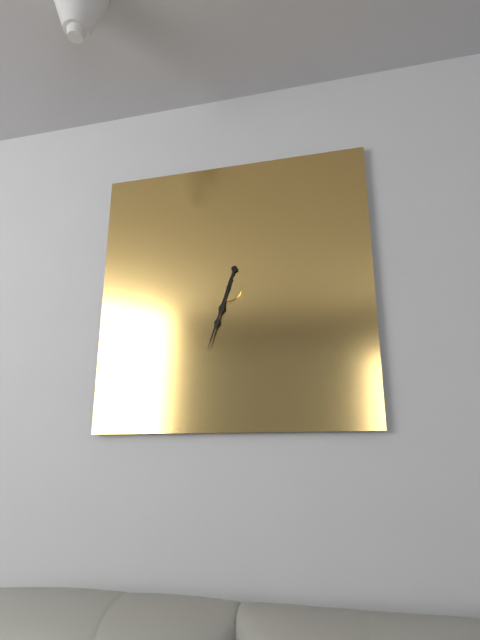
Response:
{"hour": 12, "minute": 33}
